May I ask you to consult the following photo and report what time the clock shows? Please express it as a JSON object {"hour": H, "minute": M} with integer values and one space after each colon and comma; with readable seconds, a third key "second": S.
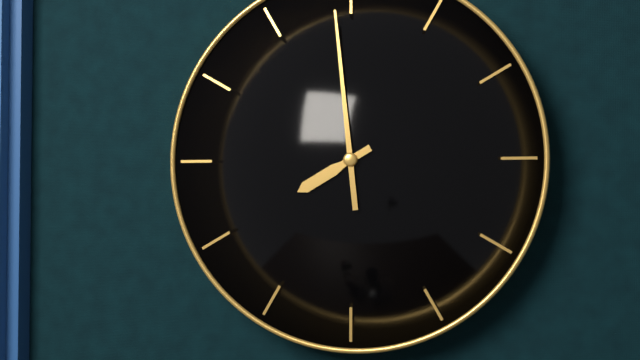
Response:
{"hour": 7, "minute": 59}
